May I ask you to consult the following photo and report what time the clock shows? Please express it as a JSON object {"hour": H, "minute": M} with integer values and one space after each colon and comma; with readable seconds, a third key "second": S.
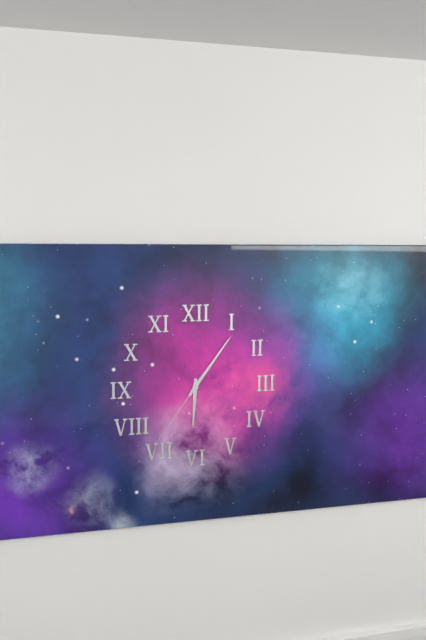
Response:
{"hour": 6, "minute": 6, "second": 36}
